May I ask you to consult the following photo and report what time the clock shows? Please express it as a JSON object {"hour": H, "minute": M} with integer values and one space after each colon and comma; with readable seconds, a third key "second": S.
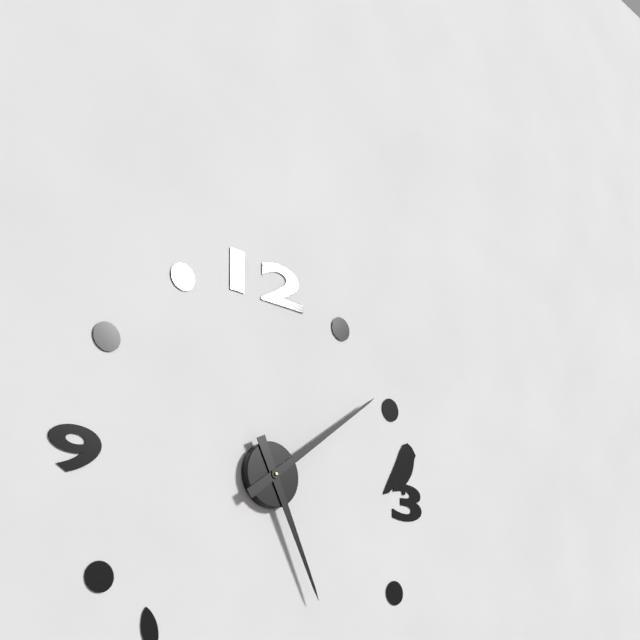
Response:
{"hour": 5, "minute": 9}
